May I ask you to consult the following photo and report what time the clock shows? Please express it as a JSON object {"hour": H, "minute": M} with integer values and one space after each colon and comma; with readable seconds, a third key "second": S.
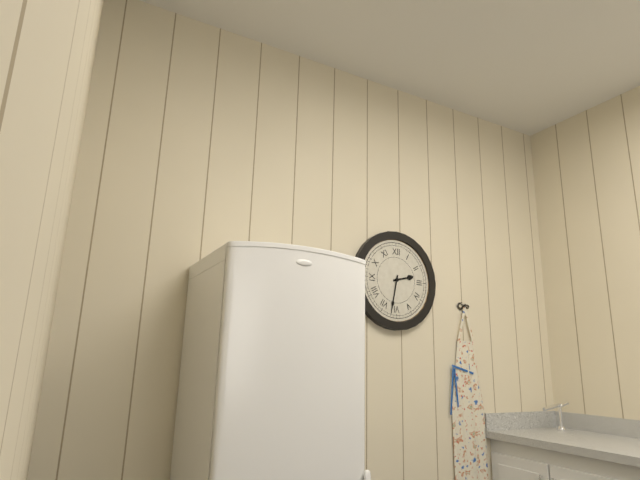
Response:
{"hour": 2, "minute": 32}
